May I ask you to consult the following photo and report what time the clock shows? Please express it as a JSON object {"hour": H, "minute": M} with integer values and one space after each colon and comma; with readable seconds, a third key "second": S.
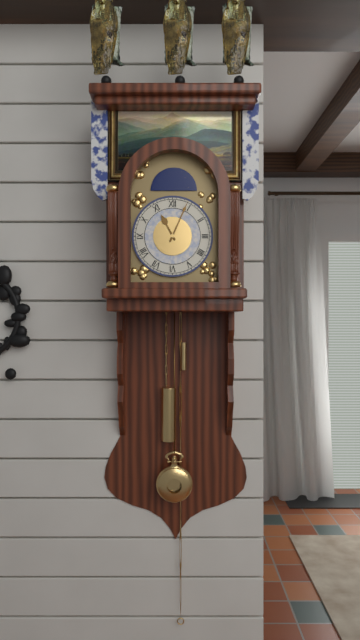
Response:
{"hour": 11, "minute": 4}
